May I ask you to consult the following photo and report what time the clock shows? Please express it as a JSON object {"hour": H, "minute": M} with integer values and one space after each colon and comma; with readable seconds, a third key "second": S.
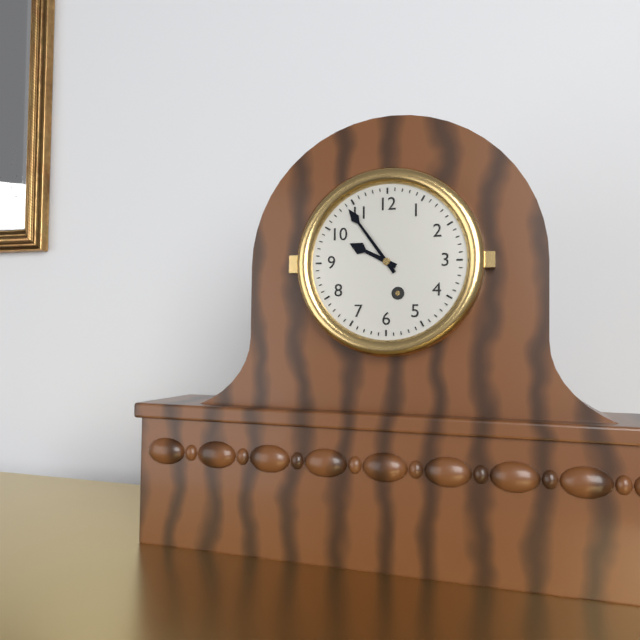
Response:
{"hour": 9, "minute": 54}
